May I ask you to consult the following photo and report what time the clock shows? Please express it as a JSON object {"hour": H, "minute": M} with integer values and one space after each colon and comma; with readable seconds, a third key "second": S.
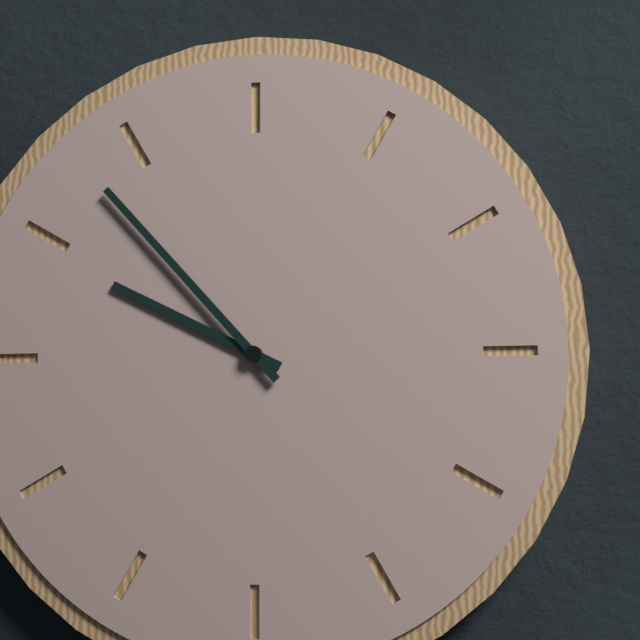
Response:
{"hour": 9, "minute": 53}
